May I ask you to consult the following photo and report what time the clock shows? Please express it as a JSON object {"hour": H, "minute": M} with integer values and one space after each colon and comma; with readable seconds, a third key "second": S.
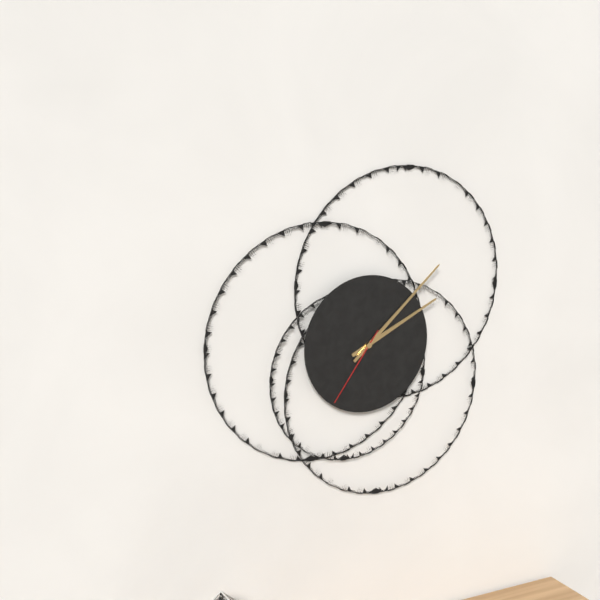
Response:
{"hour": 2, "minute": 8, "second": 36}
